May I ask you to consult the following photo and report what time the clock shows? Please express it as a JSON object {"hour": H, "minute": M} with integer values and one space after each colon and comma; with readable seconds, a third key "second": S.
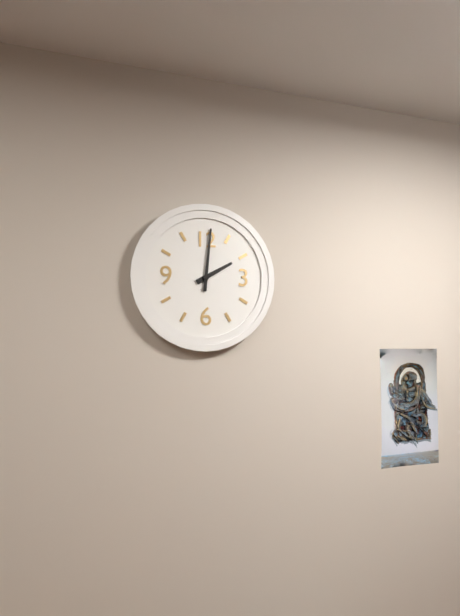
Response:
{"hour": 2, "minute": 1}
